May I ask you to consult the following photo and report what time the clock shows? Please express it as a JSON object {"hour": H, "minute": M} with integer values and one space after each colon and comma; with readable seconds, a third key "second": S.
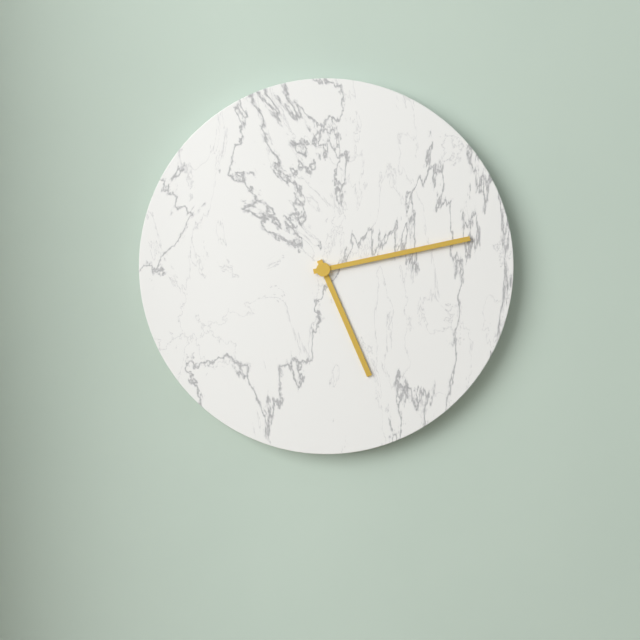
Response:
{"hour": 5, "minute": 13}
